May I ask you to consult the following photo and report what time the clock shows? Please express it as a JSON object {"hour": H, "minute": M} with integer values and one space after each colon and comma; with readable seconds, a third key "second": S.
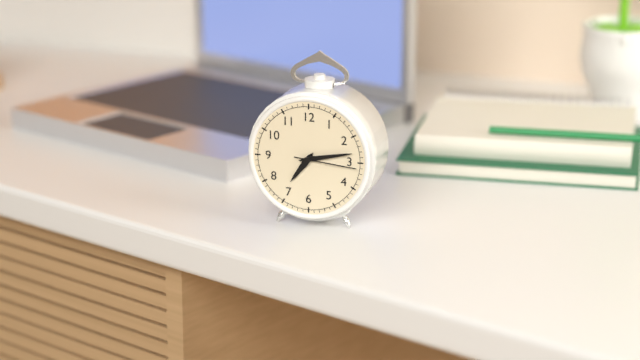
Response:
{"hour": 7, "minute": 13, "second": 16}
